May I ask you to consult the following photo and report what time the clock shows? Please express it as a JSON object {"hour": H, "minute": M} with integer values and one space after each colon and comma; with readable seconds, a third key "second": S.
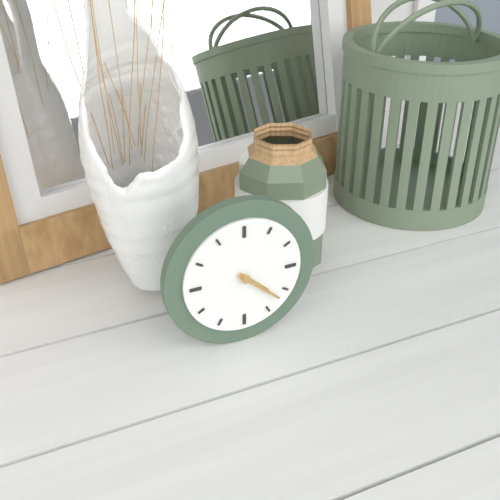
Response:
{"hour": 4, "minute": 22}
